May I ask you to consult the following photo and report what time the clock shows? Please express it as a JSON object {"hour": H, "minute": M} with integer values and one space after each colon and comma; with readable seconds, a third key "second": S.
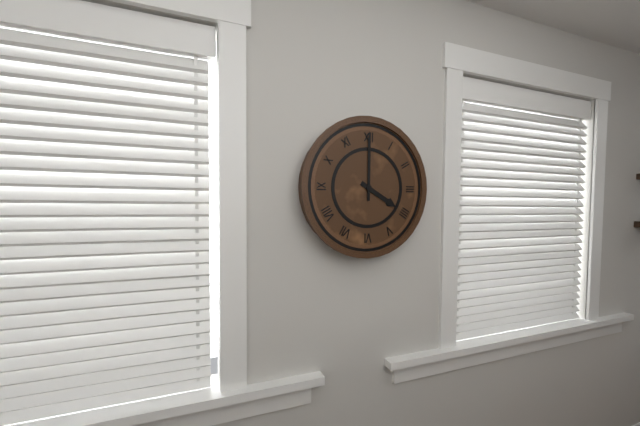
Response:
{"hour": 4, "minute": 0}
